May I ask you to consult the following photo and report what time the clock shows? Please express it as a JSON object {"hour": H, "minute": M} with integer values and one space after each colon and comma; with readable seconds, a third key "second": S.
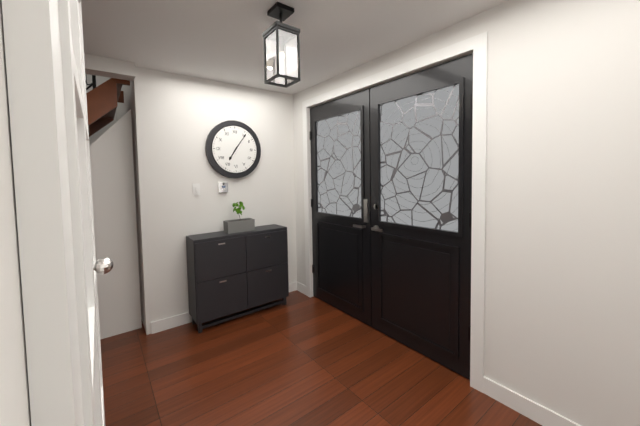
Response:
{"hour": 7, "minute": 6}
